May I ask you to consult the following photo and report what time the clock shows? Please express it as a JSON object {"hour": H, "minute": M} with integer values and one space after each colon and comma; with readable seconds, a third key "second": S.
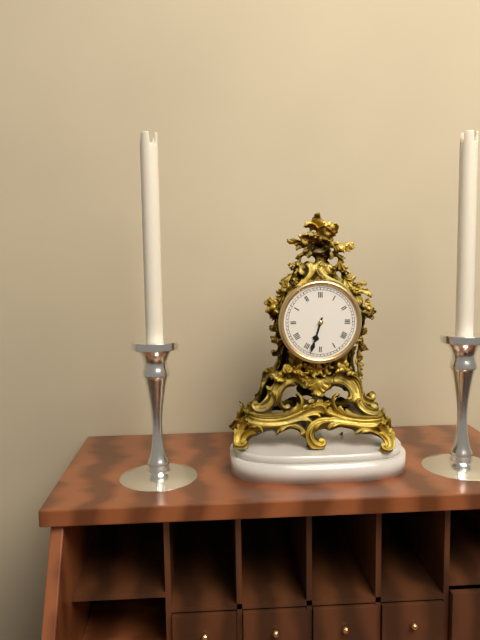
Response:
{"hour": 6, "minute": 33}
